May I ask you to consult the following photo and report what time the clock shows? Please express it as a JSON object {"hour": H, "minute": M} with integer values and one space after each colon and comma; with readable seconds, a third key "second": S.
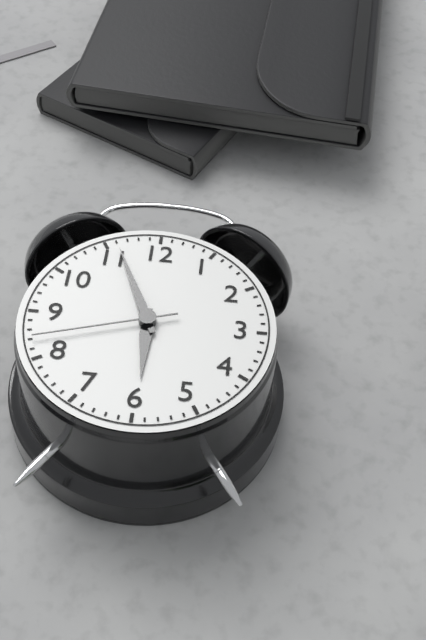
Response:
{"hour": 5, "minute": 56, "second": 42}
